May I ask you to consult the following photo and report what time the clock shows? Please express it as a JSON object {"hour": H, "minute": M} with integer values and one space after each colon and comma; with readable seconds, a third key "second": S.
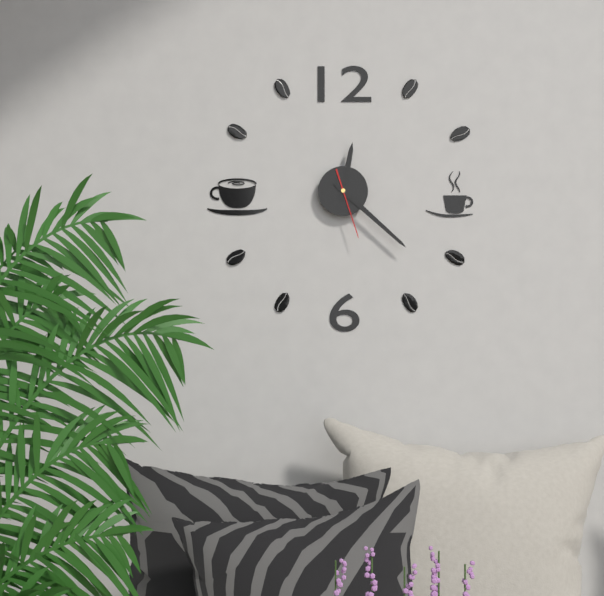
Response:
{"hour": 12, "minute": 22, "second": 27}
